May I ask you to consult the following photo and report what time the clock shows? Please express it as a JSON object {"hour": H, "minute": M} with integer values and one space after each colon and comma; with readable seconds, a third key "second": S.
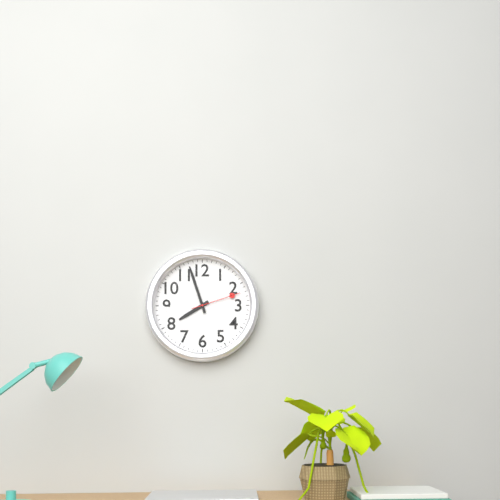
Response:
{"hour": 7, "minute": 57, "second": 12}
